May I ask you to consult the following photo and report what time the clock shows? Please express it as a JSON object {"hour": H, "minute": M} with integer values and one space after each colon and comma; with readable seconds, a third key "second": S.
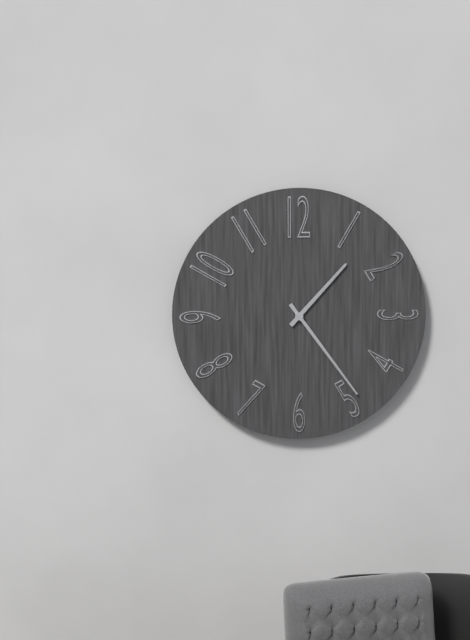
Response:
{"hour": 1, "minute": 24}
